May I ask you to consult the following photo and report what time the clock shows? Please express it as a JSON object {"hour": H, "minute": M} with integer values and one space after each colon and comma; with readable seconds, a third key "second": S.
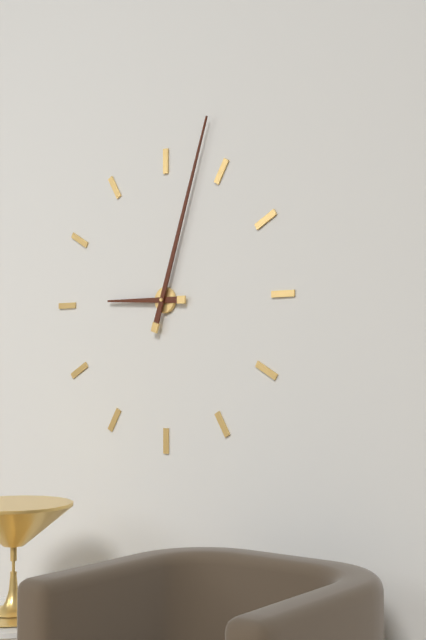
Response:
{"hour": 9, "minute": 3}
